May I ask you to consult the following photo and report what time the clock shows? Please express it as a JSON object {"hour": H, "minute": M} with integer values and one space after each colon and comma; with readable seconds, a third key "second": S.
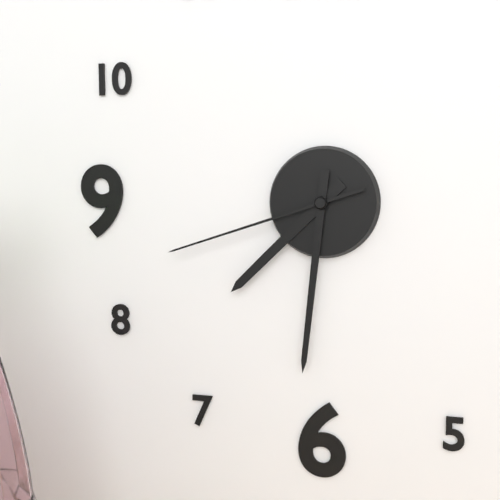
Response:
{"hour": 7, "minute": 31, "second": 42}
